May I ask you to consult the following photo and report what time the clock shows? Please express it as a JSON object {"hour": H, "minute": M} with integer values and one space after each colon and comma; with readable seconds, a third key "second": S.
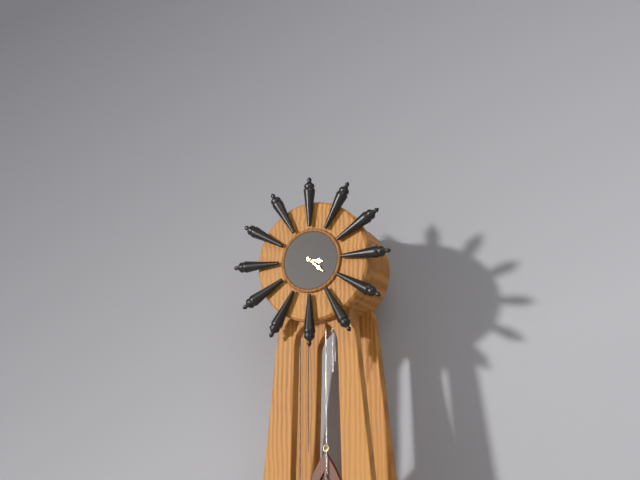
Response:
{"hour": 3, "minute": 22}
